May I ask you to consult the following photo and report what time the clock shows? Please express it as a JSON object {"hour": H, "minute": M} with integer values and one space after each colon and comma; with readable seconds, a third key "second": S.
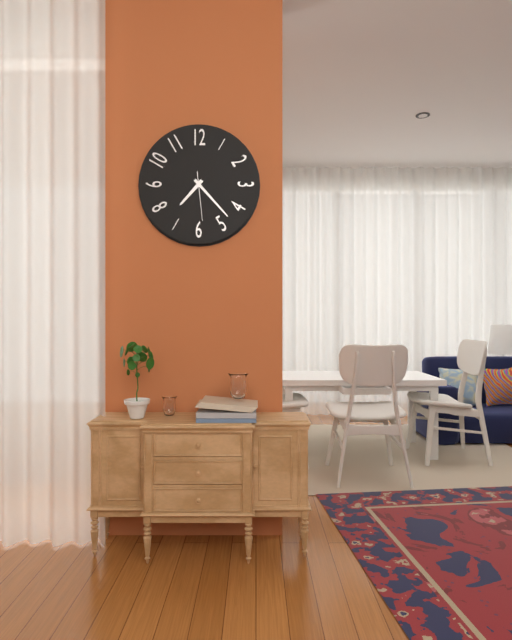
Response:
{"hour": 7, "minute": 23}
